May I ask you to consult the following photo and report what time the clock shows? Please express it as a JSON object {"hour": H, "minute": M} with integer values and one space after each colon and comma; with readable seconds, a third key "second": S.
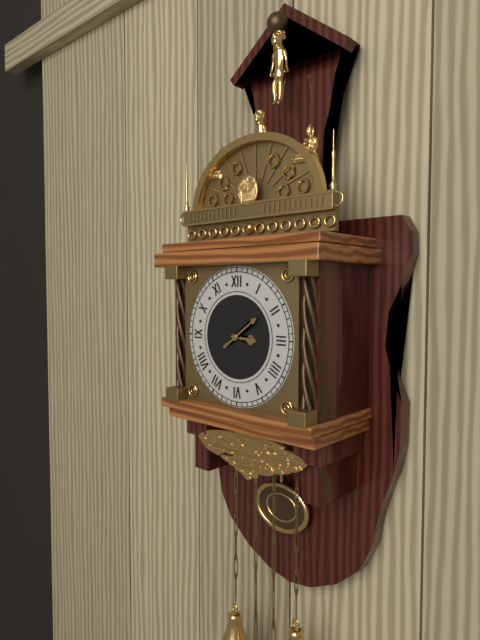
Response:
{"hour": 3, "minute": 9}
